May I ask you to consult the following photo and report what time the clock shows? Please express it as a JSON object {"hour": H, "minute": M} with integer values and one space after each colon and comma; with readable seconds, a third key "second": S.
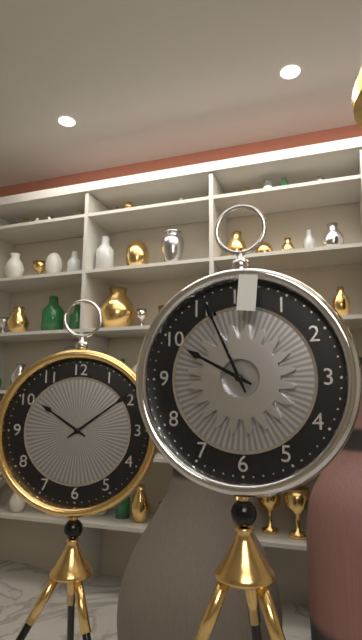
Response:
{"hour": 9, "minute": 56}
